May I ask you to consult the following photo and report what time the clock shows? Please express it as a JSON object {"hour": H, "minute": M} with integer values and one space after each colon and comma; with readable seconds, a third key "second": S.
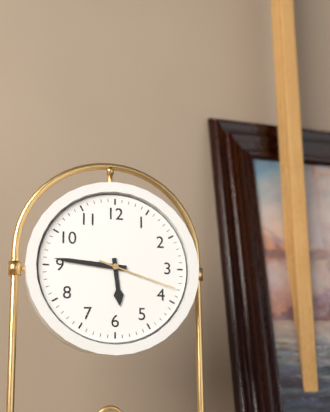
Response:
{"hour": 5, "minute": 46, "second": 18}
